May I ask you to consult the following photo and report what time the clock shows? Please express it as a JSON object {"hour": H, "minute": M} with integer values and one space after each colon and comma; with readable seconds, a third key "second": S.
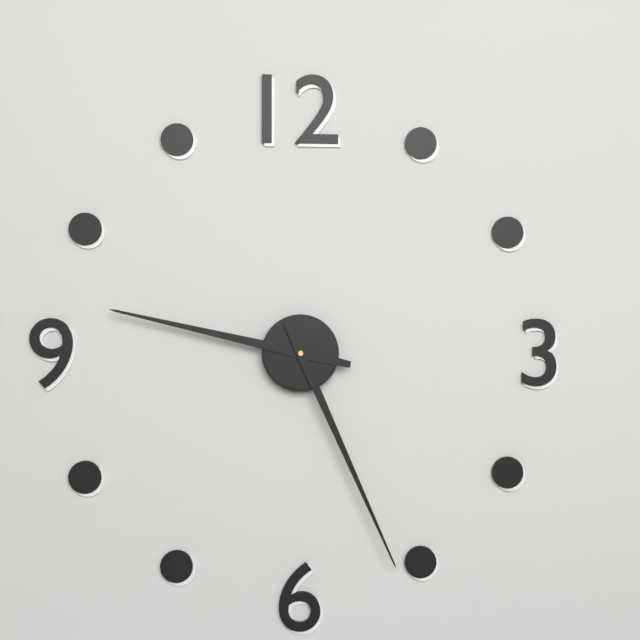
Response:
{"hour": 9, "minute": 26}
